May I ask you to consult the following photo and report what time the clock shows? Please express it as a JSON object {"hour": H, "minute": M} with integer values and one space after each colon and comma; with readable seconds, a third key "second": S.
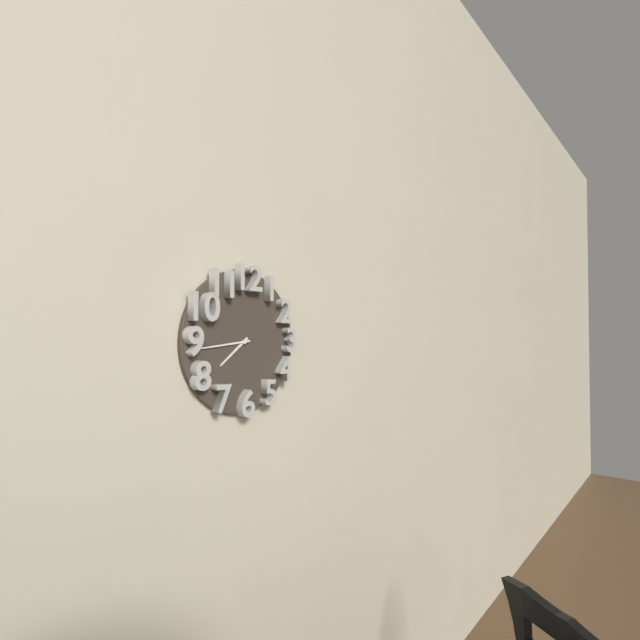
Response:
{"hour": 7, "minute": 44}
